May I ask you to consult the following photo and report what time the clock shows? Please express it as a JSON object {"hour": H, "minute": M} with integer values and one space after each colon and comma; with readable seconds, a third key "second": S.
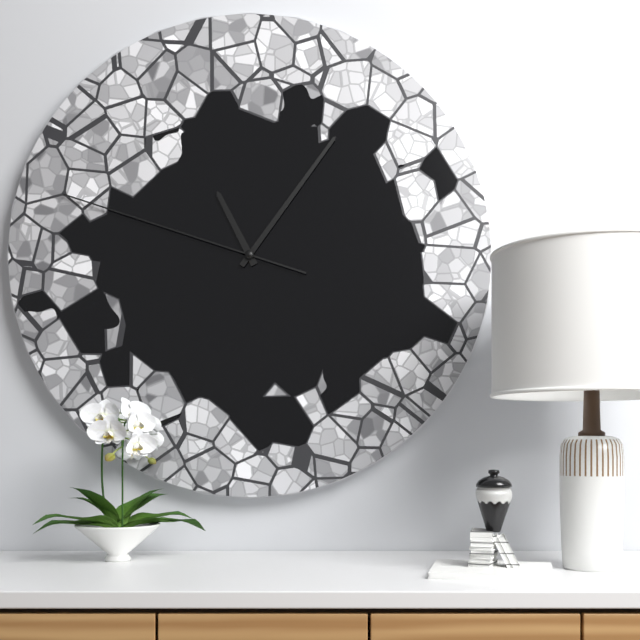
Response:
{"hour": 11, "minute": 6, "second": 48}
